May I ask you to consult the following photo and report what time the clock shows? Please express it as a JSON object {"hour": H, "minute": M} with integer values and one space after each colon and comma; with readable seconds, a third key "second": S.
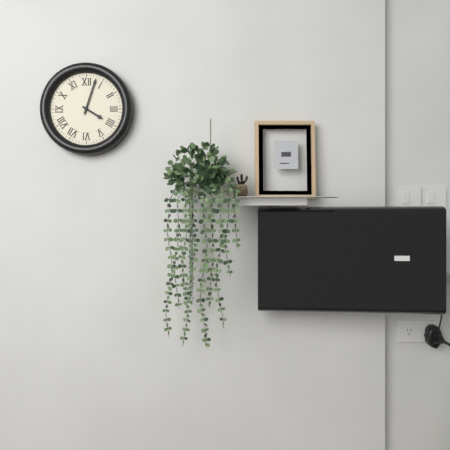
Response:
{"hour": 4, "minute": 3}
